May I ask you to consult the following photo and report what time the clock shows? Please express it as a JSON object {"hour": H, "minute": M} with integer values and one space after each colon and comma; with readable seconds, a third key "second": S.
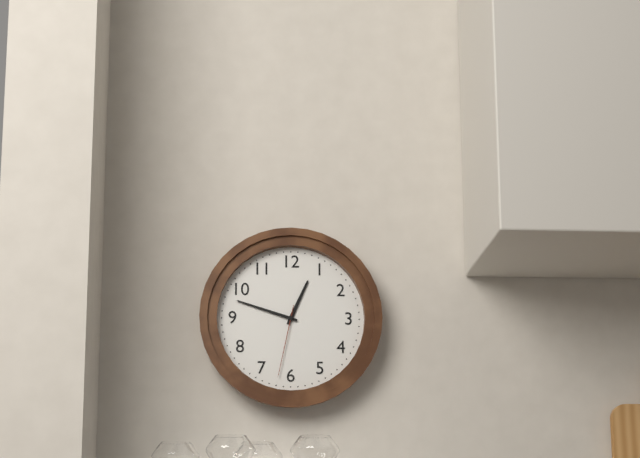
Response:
{"hour": 12, "minute": 48, "second": 32}
